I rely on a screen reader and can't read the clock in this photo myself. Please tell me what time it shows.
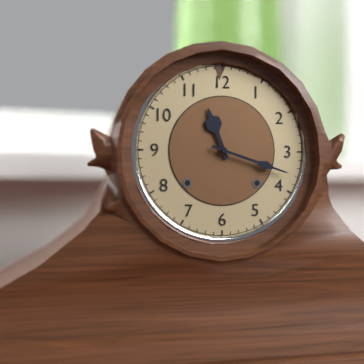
11:18
